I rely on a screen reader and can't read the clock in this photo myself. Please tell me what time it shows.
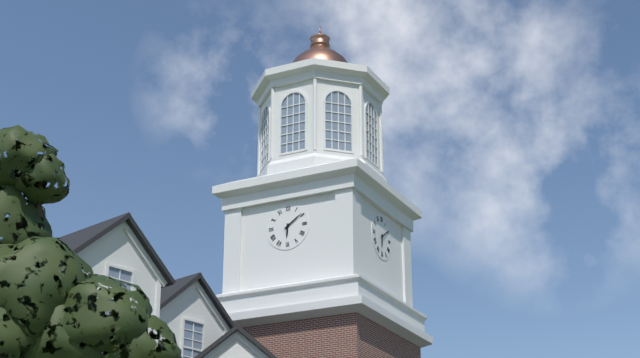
6:09
